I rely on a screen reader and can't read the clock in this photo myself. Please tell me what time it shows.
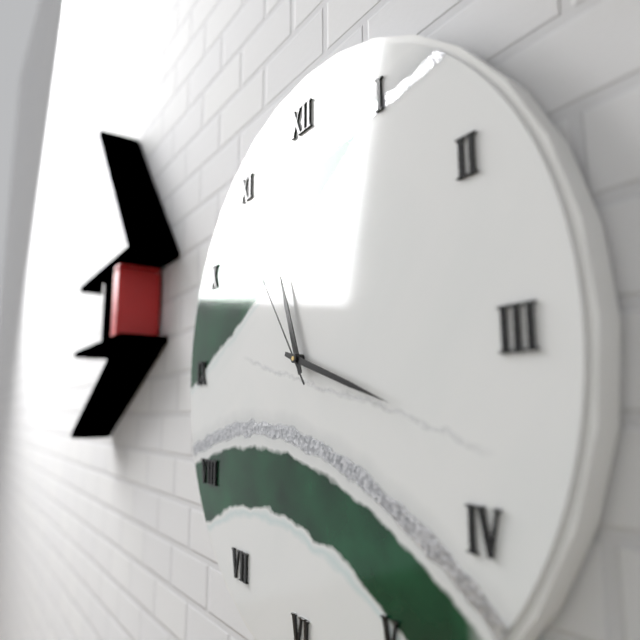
11:18:54
